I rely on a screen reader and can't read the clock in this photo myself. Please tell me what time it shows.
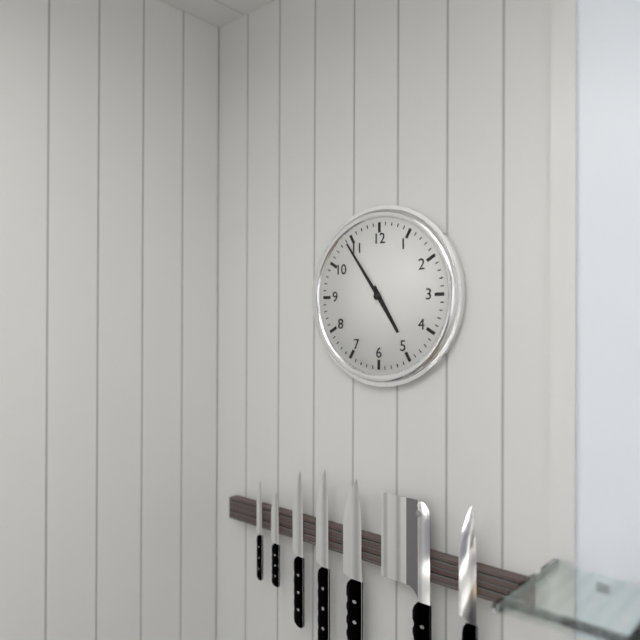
4:54
